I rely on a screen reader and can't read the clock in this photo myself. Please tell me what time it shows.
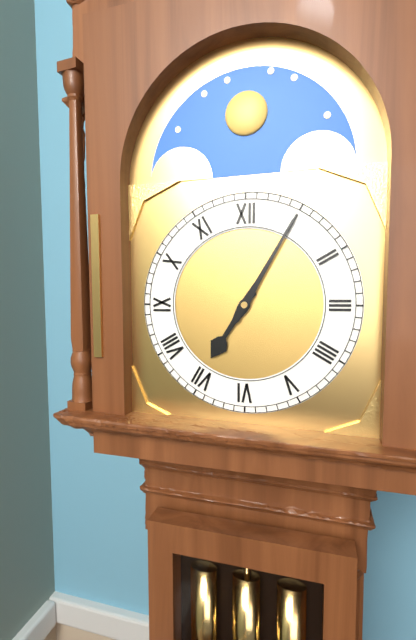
7:05
